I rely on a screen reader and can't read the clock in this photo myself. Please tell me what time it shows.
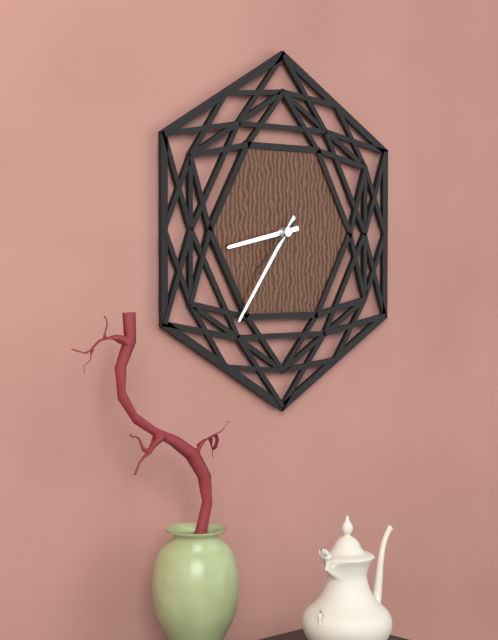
8:36:38
